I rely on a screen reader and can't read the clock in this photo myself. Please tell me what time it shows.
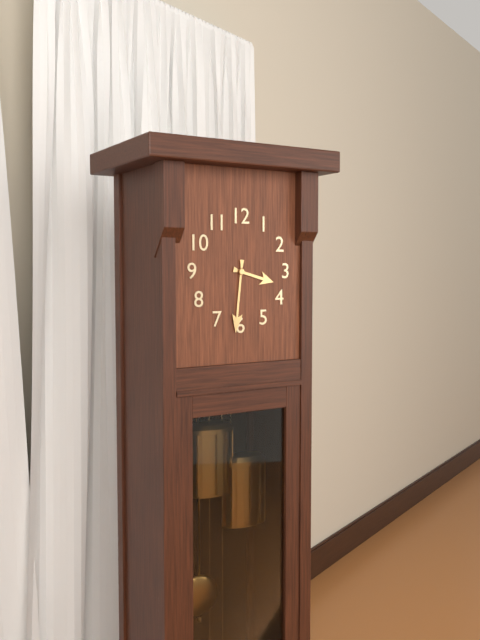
3:31
